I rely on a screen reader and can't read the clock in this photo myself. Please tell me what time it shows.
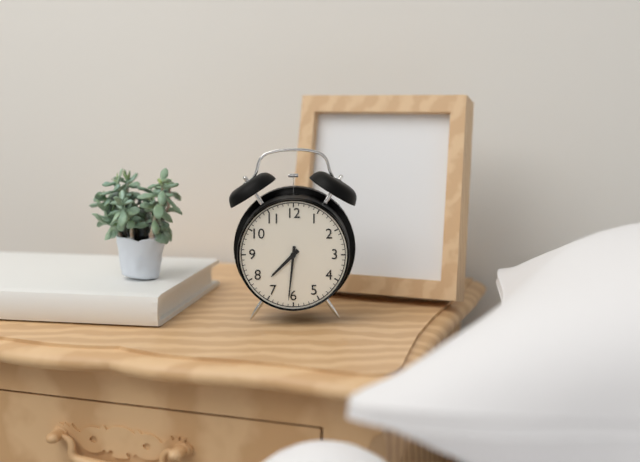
7:31
